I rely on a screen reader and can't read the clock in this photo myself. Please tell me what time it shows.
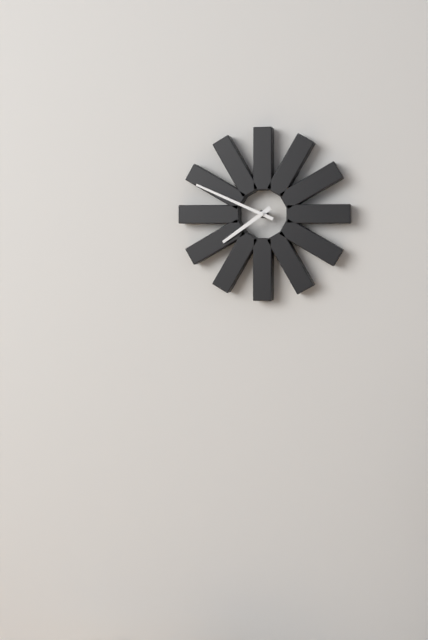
7:49
